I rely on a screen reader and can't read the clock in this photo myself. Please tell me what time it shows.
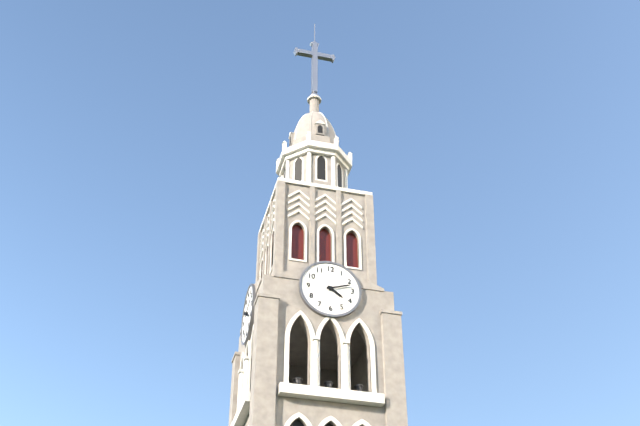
4:12
